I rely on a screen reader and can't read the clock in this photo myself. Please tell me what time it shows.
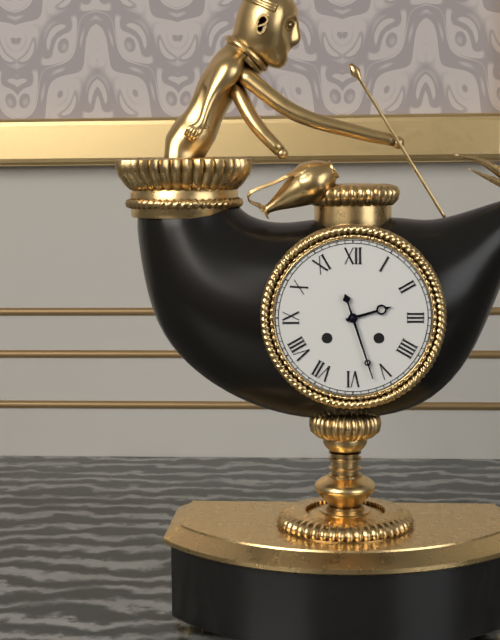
2:27
